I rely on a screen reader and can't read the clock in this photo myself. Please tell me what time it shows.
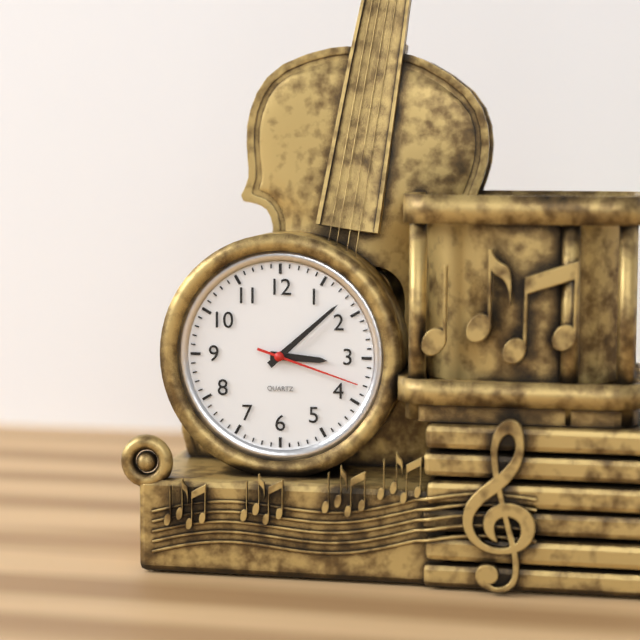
3:08:18
